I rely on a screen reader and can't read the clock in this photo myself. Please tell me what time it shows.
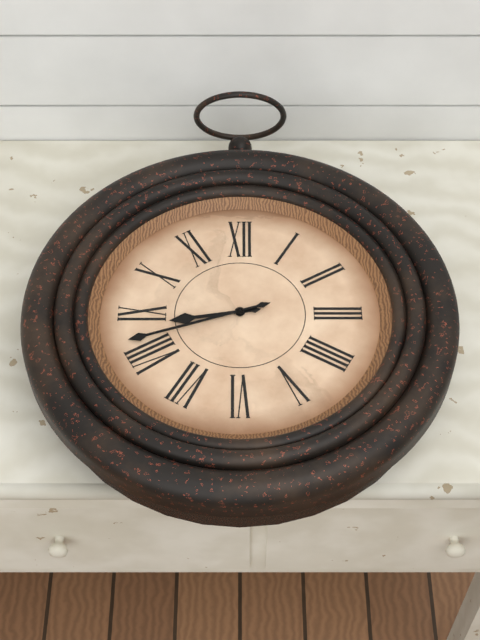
8:42
